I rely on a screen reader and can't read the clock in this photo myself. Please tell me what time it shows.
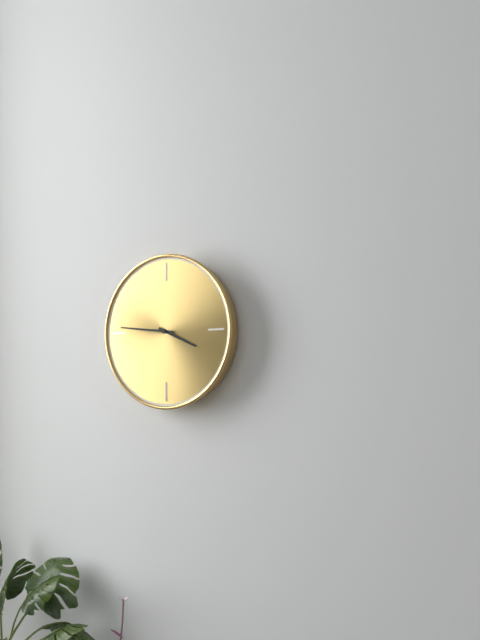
3:46
